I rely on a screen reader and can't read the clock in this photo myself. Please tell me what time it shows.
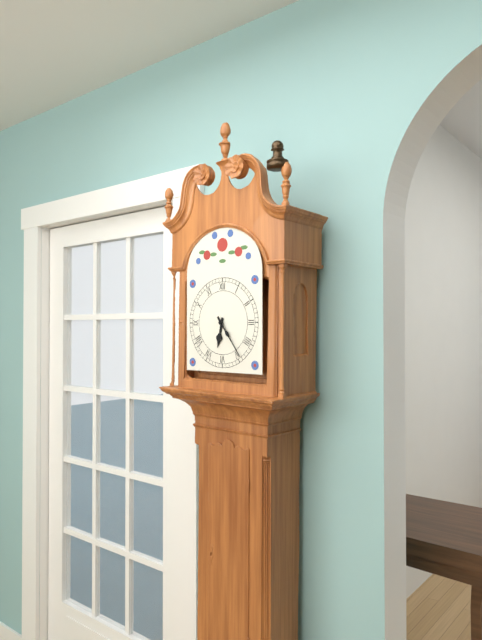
6:24
